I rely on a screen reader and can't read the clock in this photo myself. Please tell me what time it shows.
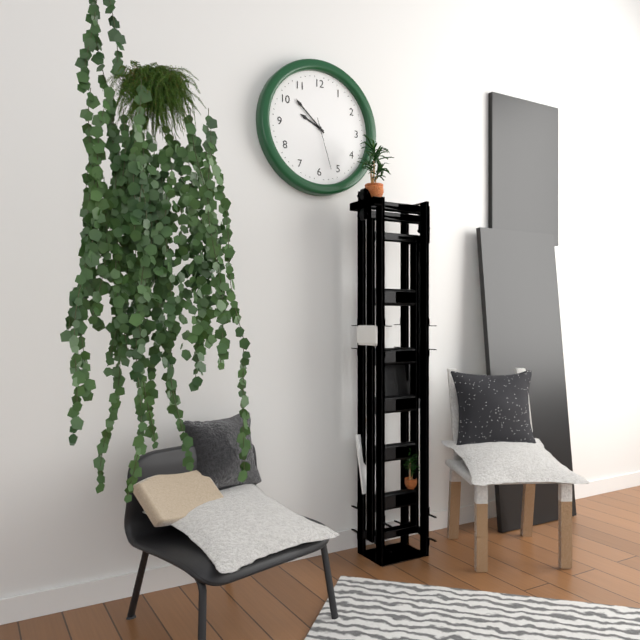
9:52:27
